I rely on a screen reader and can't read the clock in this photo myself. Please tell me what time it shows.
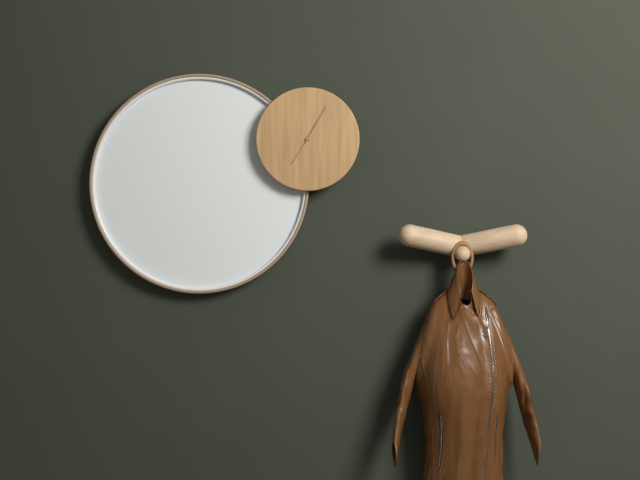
7:05
